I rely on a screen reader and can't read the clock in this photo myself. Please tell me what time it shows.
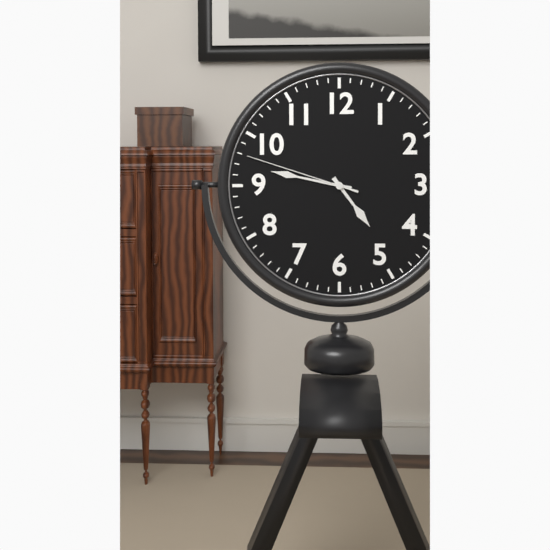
4:47:48
